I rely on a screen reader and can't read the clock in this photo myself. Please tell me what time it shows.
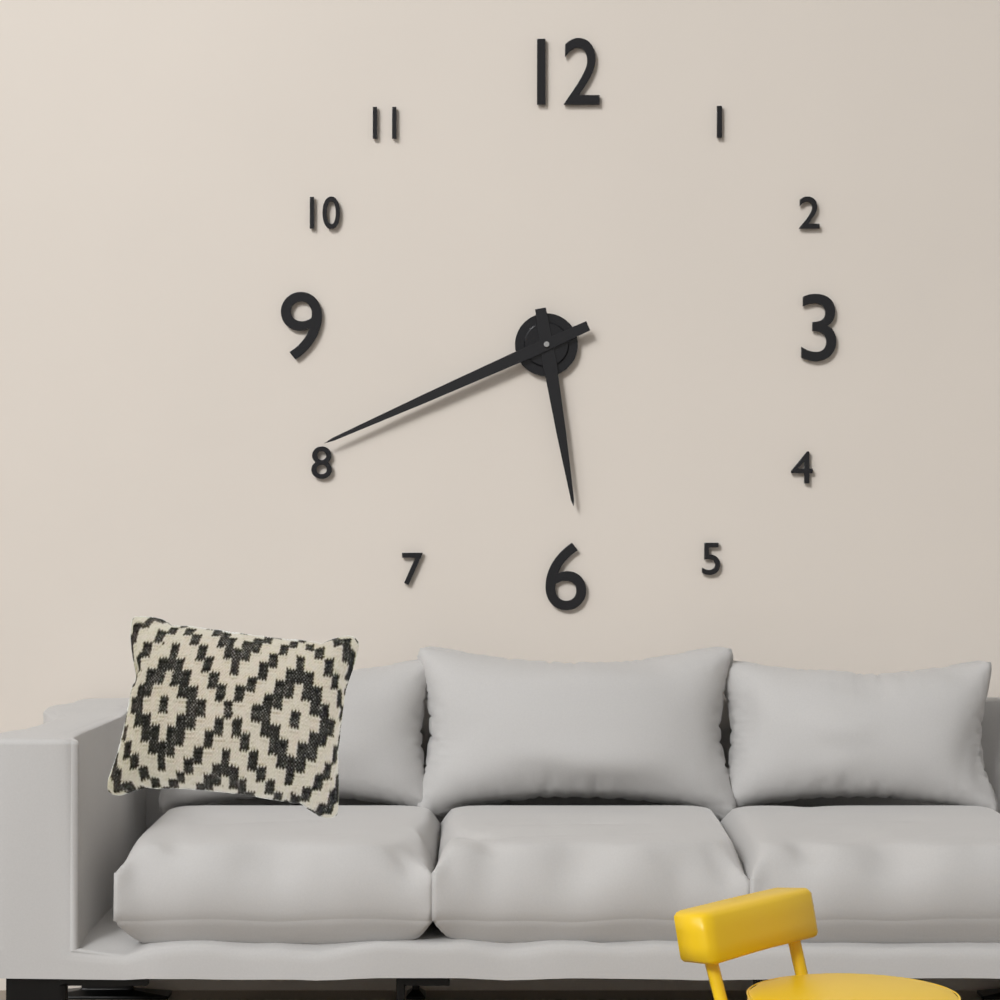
5:41
